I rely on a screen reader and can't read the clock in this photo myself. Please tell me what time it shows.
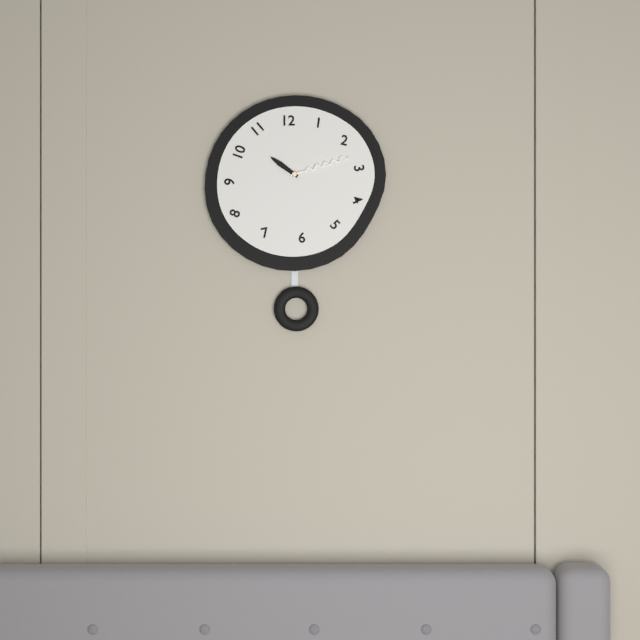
10:12
